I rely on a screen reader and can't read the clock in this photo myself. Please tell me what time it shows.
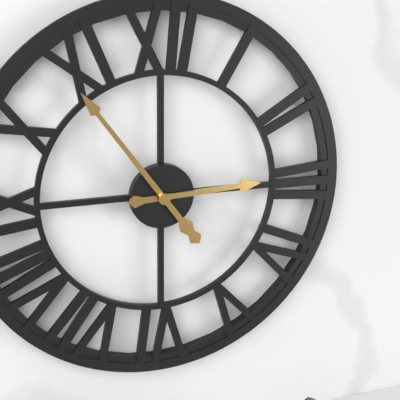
2:54
